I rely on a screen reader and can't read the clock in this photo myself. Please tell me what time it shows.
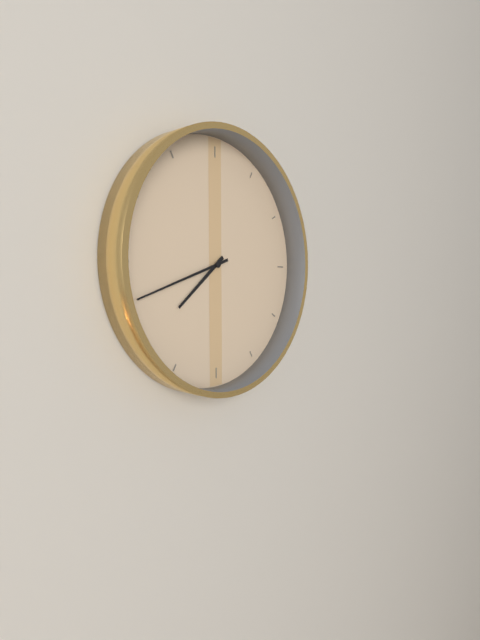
7:42
